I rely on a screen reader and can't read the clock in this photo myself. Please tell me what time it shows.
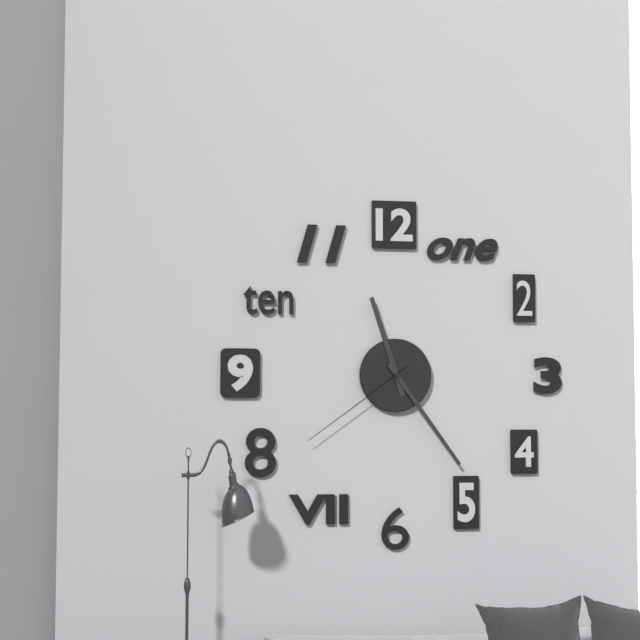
11:24:39
